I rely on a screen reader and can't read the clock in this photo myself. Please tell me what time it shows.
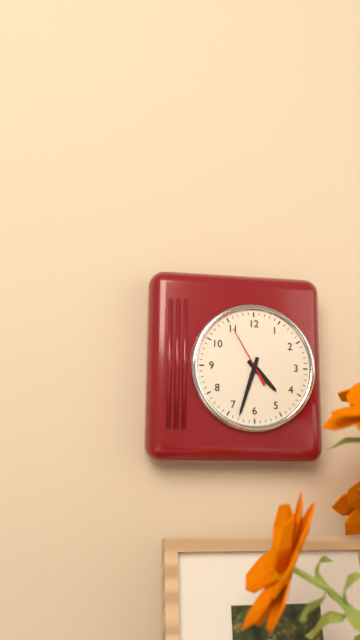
4:33:55
